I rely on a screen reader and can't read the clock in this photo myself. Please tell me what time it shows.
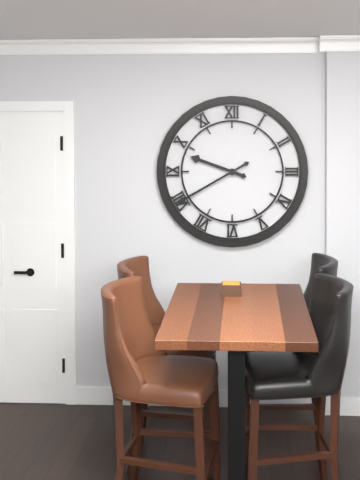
9:40
